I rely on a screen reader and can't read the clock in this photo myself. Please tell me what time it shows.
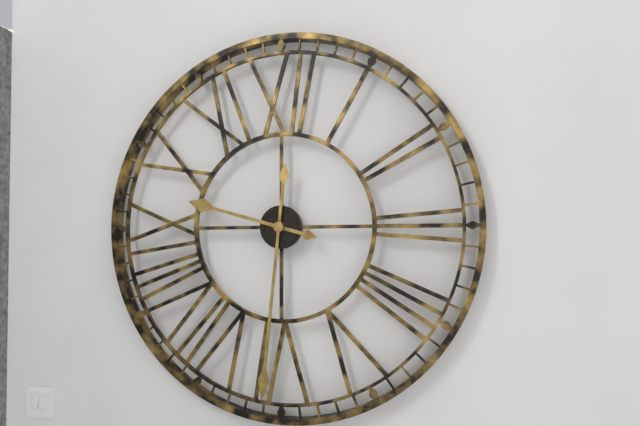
9:31
